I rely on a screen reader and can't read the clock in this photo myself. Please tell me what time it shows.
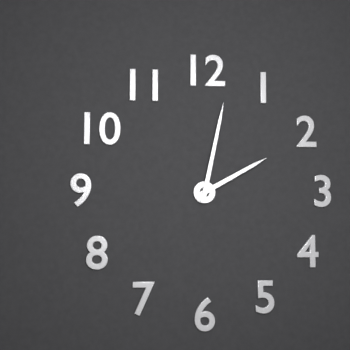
2:02
